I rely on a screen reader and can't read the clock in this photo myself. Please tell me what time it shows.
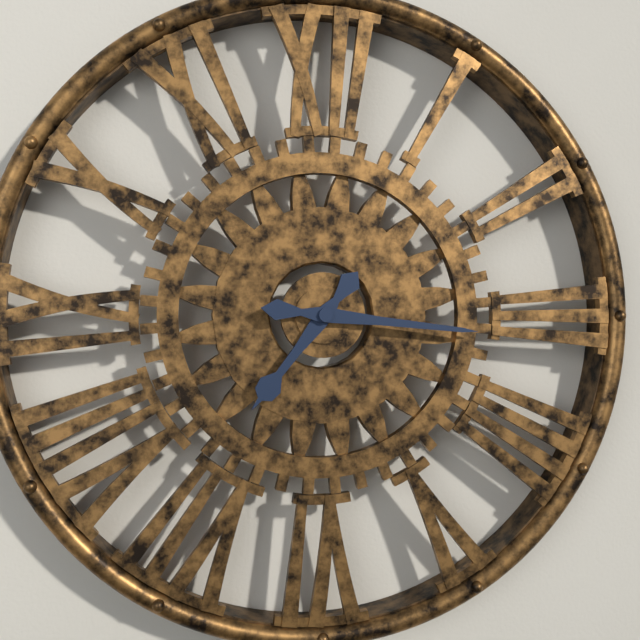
7:16
